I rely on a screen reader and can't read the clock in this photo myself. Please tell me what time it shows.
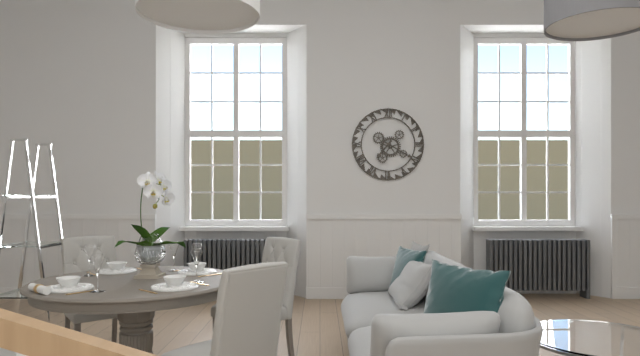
7:20
